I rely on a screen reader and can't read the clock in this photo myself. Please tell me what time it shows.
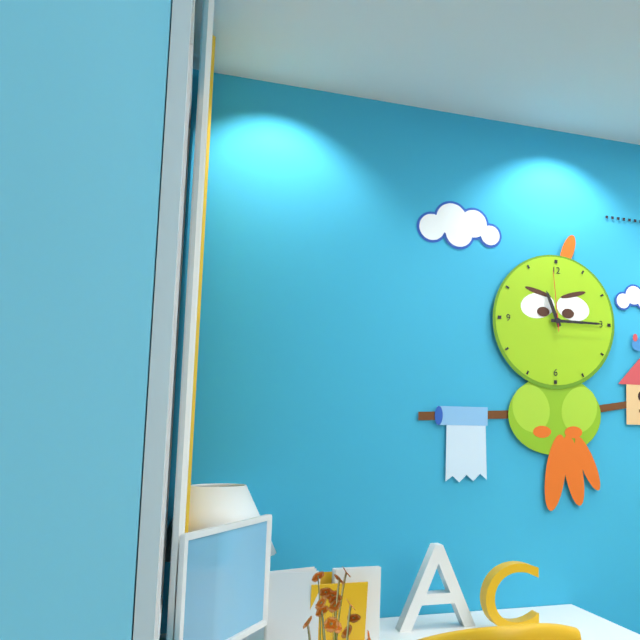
11:15:59
